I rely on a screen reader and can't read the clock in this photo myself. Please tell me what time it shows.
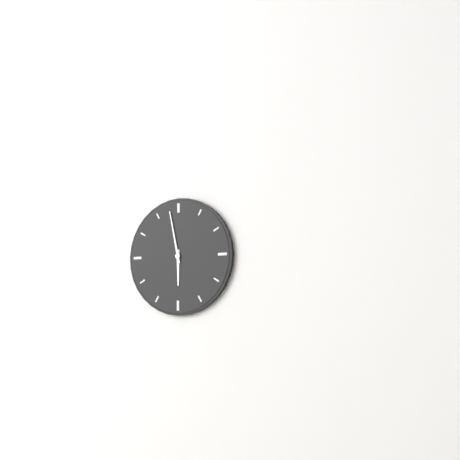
5:58
